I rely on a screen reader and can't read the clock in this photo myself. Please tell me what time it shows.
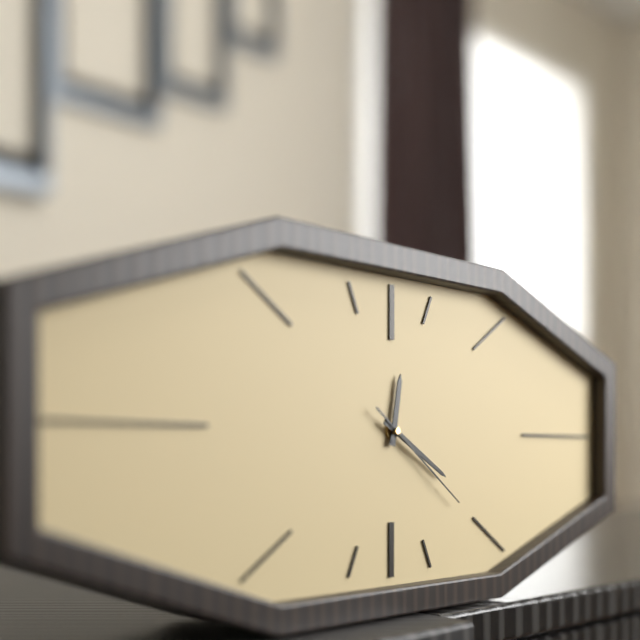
12:20:21
